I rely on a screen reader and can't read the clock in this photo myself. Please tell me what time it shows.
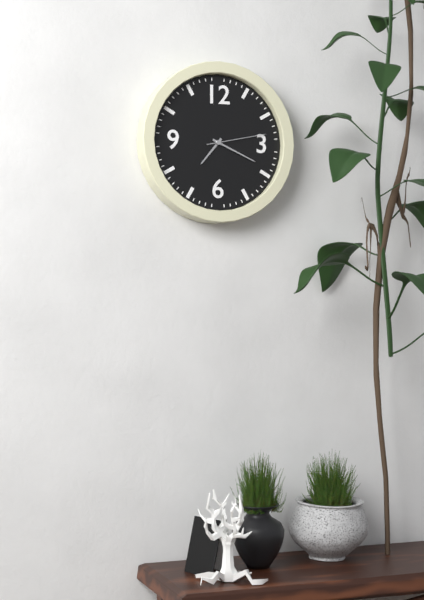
7:19:13
